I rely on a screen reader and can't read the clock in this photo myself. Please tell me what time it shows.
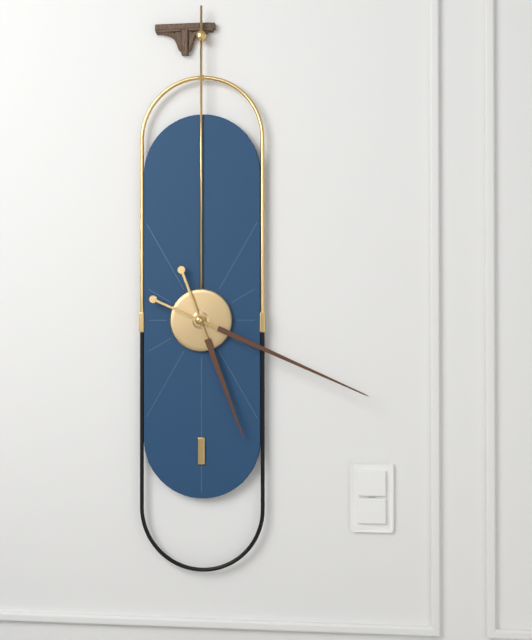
5:19
